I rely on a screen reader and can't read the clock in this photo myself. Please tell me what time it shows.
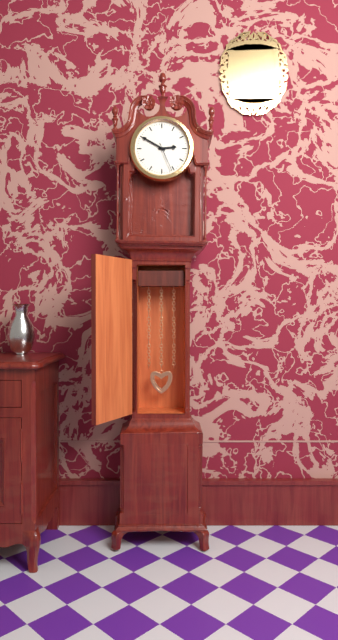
2:50
